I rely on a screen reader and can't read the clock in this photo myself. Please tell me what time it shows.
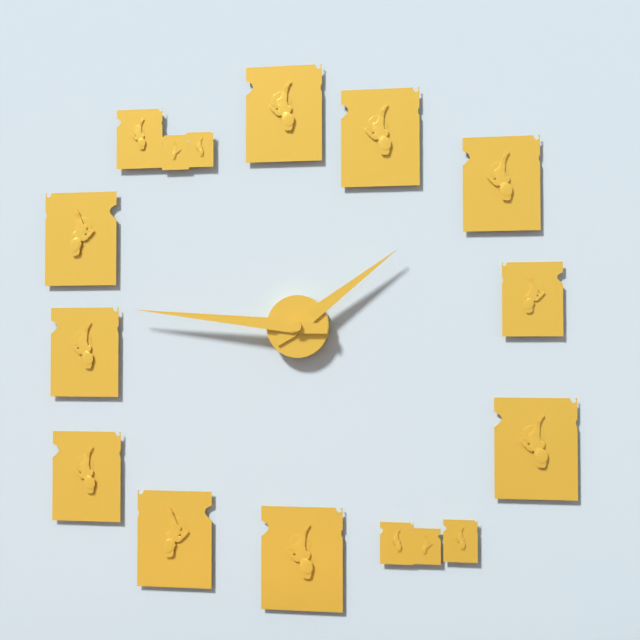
1:46
